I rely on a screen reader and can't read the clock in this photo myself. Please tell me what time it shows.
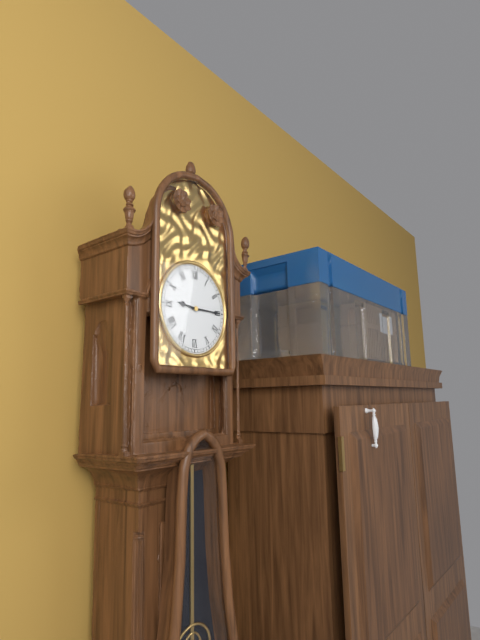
9:15
